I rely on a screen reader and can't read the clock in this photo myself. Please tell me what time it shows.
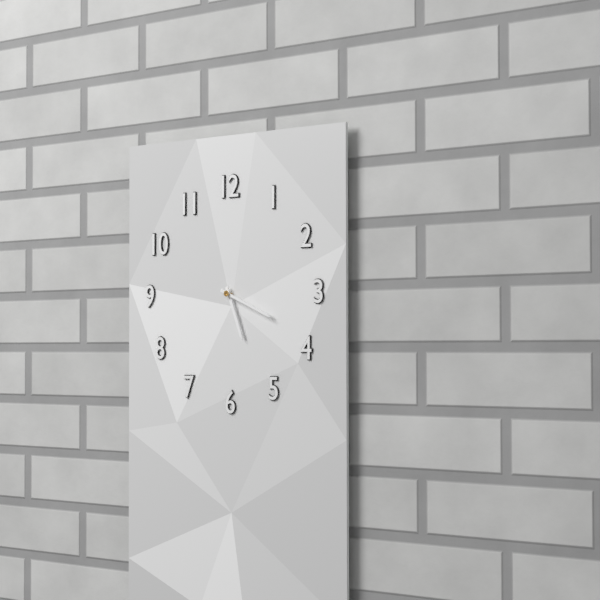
5:19
